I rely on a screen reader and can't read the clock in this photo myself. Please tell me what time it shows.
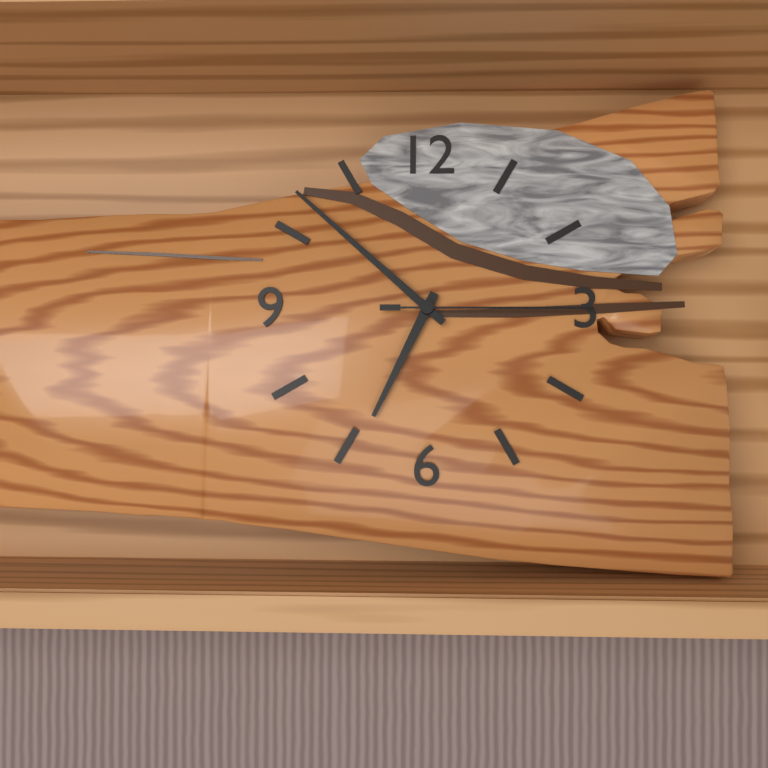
6:52:15
